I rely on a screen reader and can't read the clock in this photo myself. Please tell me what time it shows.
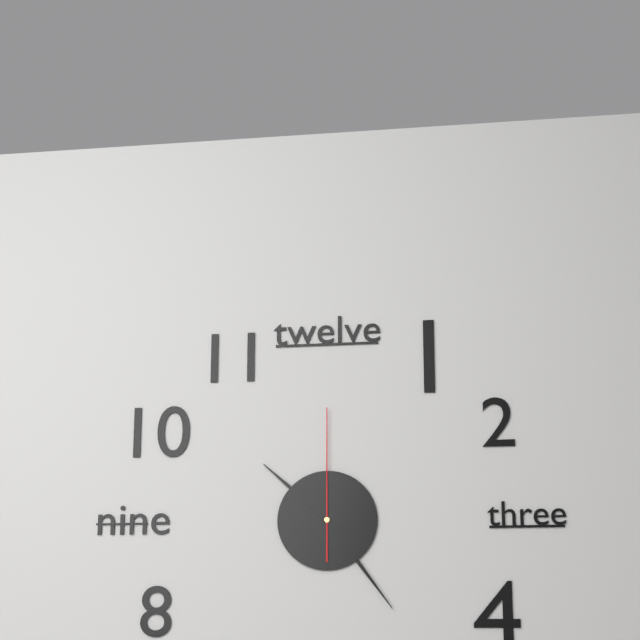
10:24:00
